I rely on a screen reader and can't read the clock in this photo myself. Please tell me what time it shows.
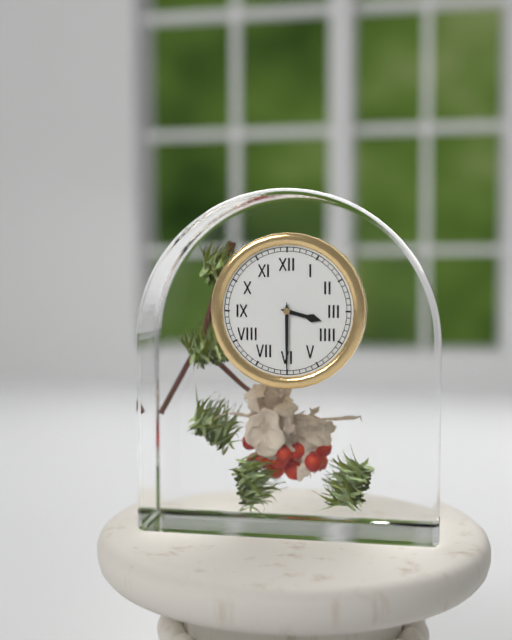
3:30
